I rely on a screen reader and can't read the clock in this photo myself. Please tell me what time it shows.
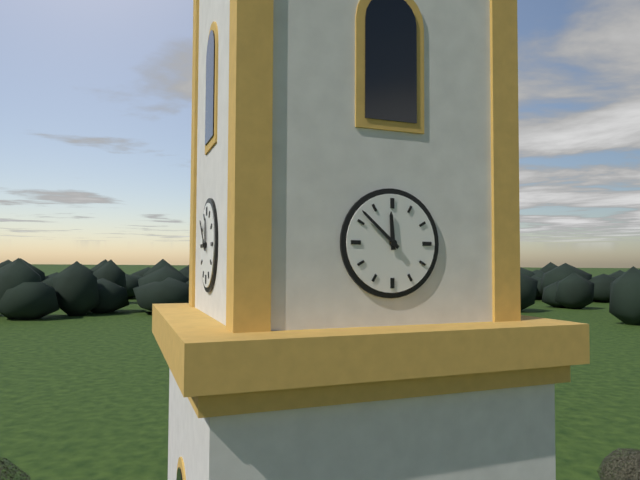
11:52
